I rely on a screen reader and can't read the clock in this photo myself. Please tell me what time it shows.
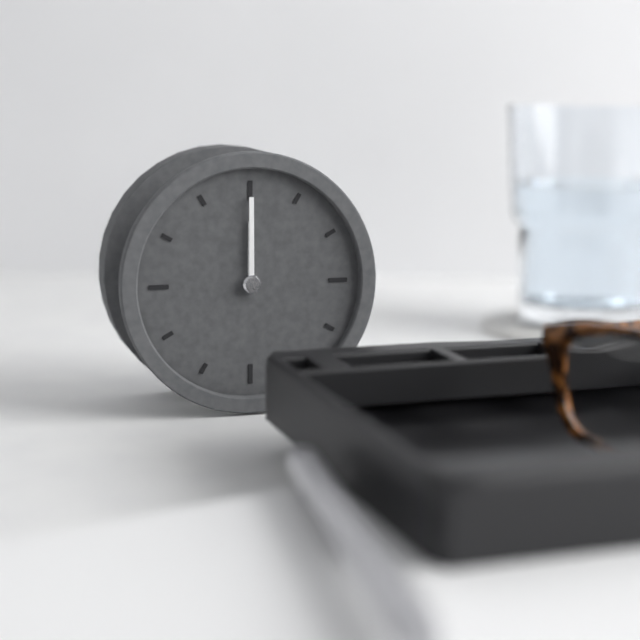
12:00
